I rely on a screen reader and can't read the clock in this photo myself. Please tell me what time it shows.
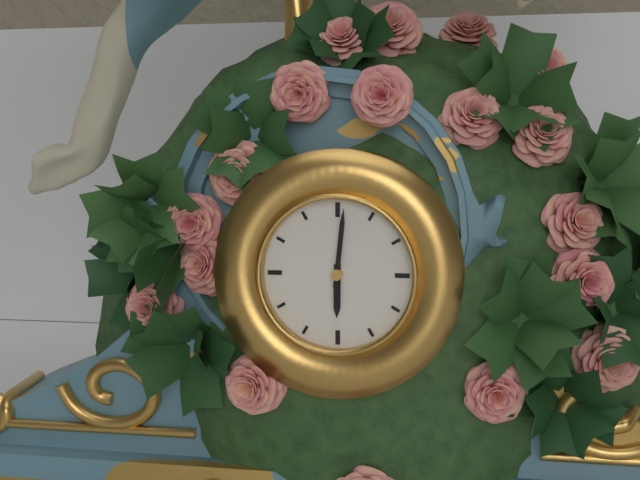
6:01
